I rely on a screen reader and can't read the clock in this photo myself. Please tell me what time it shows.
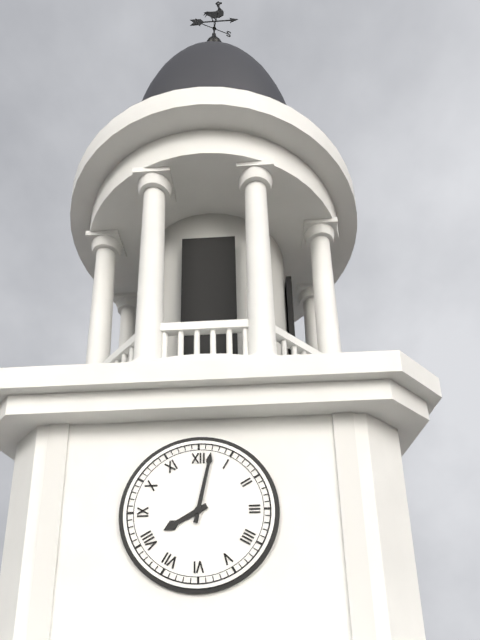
8:02
